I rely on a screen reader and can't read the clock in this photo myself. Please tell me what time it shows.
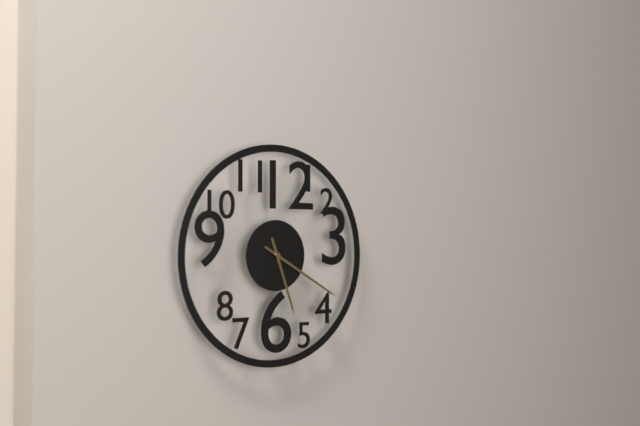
5:20
